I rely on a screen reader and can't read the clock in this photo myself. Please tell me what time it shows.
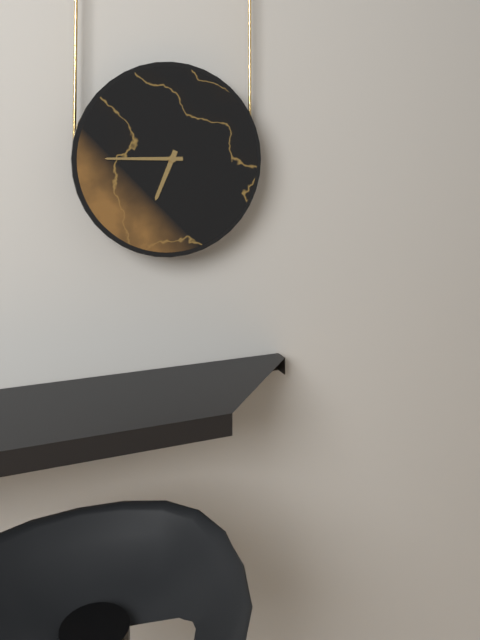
6:45
